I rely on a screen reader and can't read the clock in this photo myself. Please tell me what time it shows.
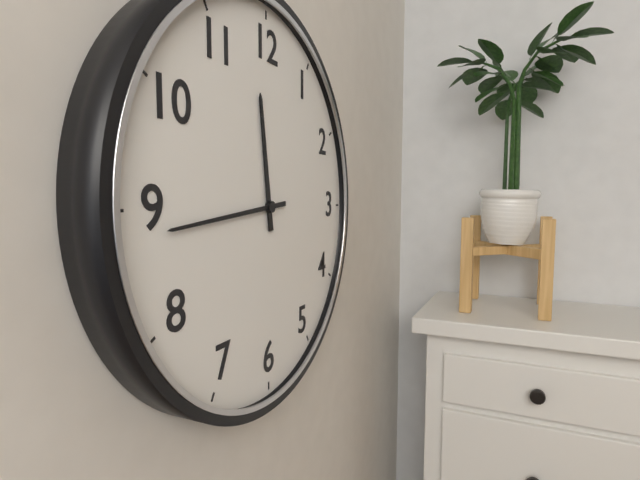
11:44
